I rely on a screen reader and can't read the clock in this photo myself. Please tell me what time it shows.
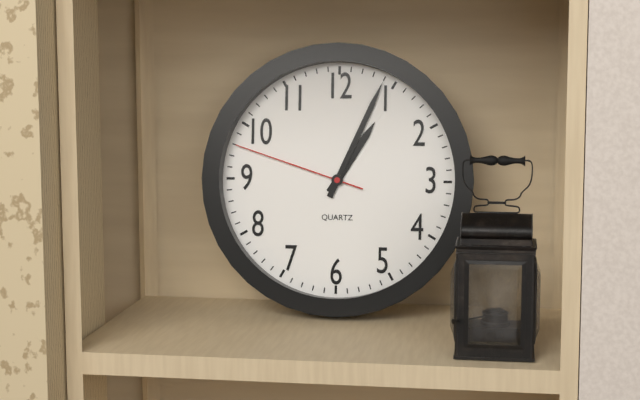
1:04:48
